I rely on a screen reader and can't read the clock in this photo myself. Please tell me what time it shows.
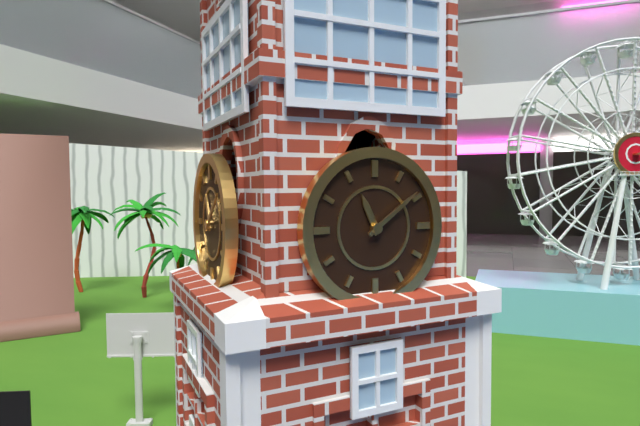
11:09
